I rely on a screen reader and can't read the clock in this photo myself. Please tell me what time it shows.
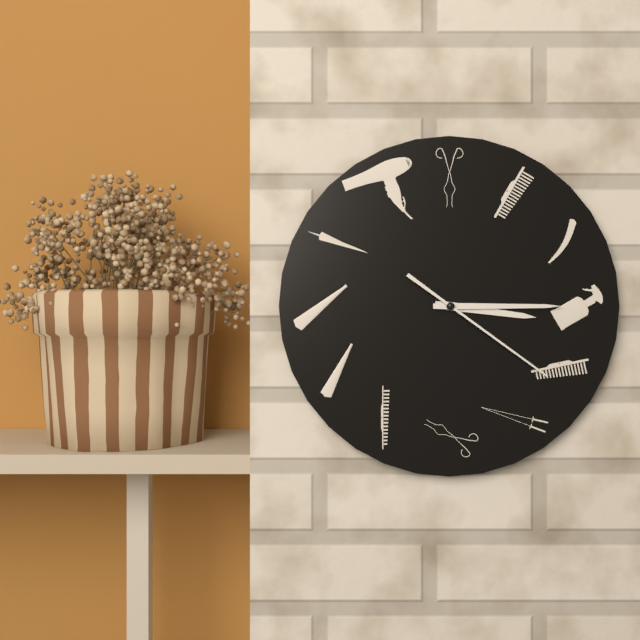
3:15:21
